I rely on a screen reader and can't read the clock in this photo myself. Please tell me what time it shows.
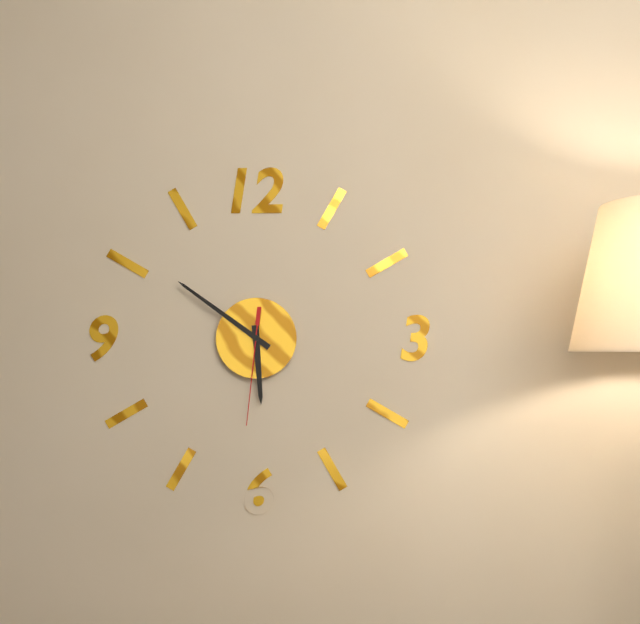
5:51:31
